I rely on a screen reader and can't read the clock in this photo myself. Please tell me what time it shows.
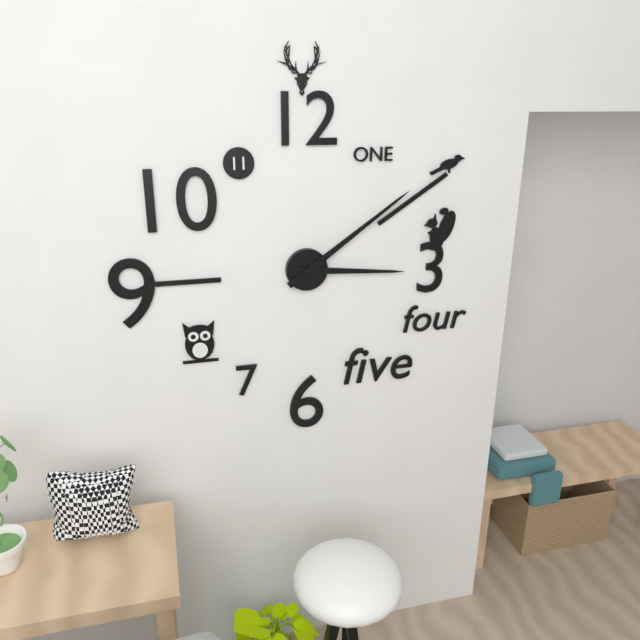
3:09
